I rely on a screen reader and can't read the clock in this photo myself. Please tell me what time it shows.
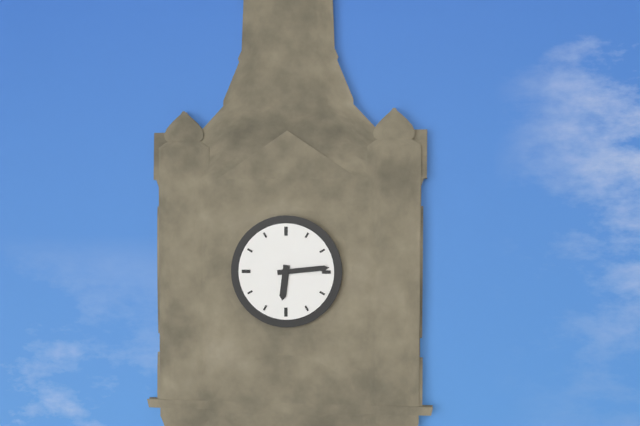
6:14
